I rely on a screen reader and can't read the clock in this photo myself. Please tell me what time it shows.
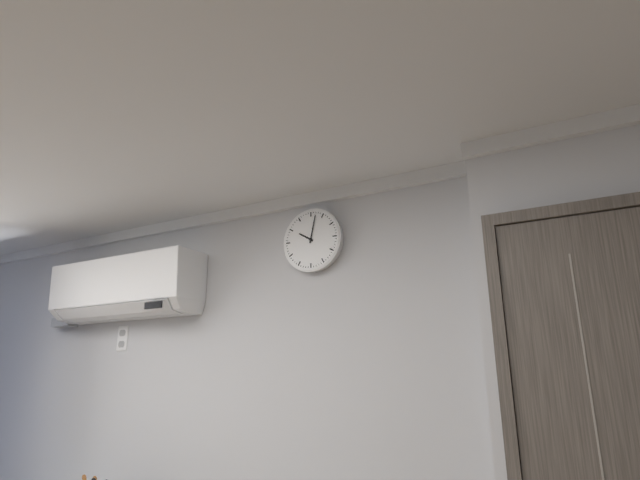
10:02
